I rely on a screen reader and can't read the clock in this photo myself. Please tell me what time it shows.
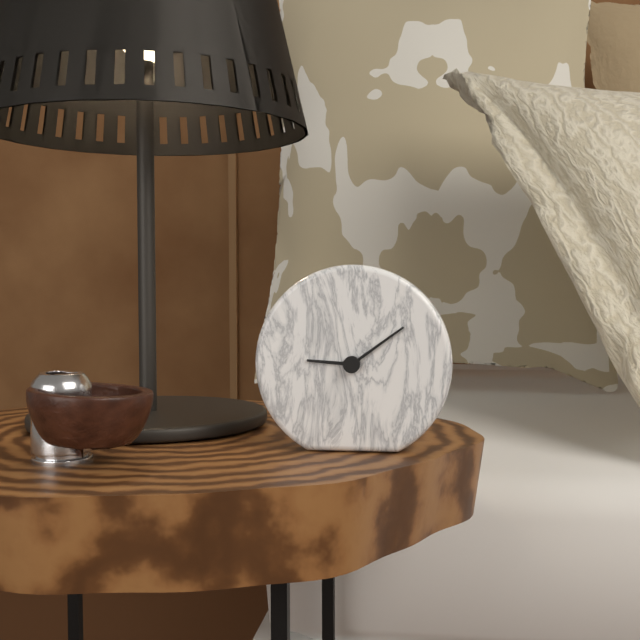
9:09
